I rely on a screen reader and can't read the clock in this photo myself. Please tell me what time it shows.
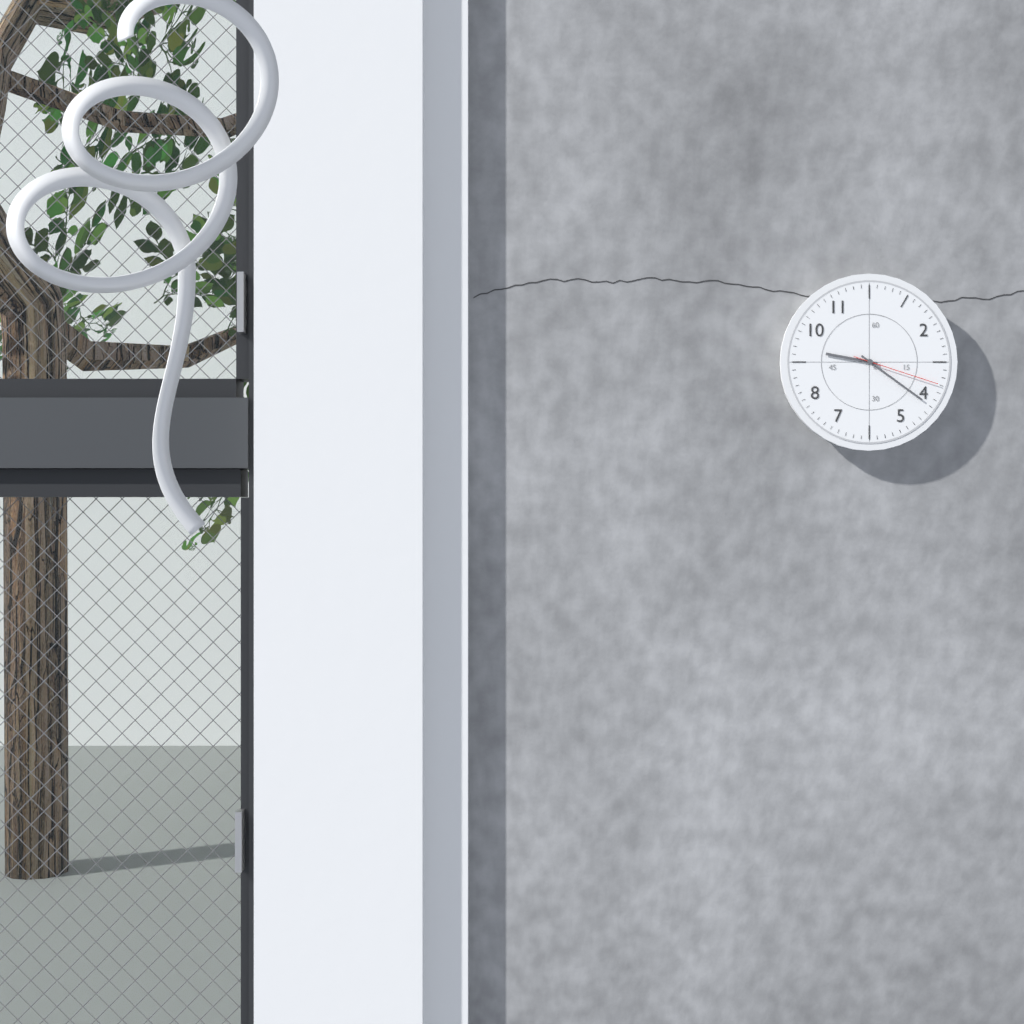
9:21:18
